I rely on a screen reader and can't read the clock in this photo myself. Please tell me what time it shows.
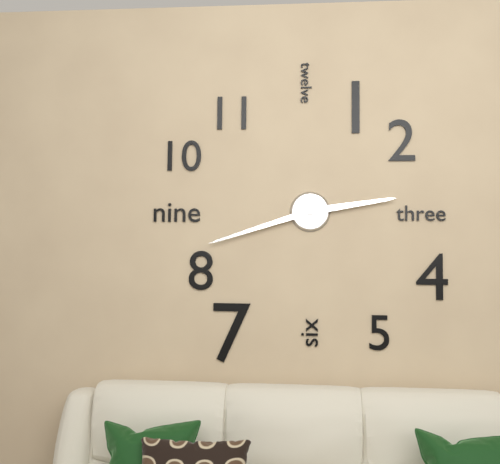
2:42
